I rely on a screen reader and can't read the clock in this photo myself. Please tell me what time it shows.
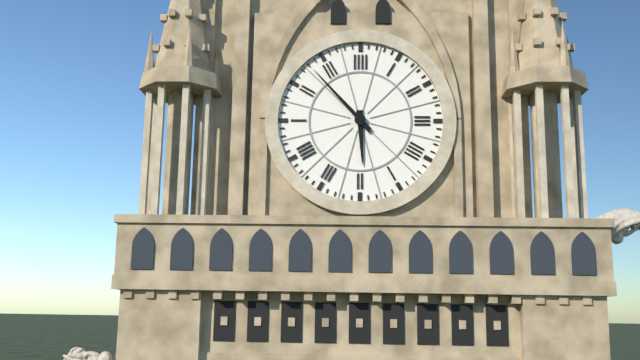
5:53
